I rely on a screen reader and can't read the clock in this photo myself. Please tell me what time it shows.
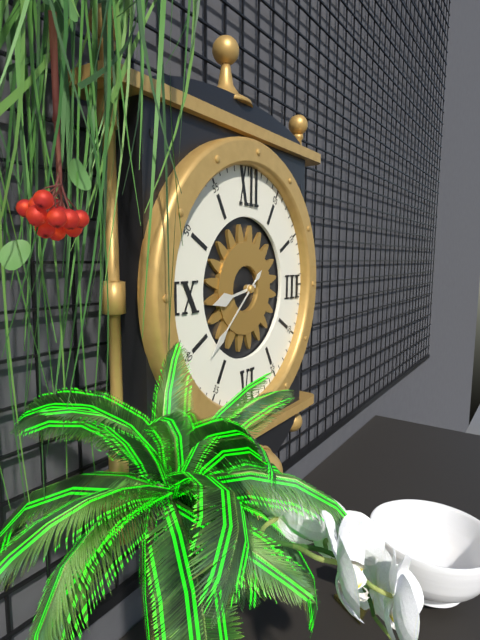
8:38
